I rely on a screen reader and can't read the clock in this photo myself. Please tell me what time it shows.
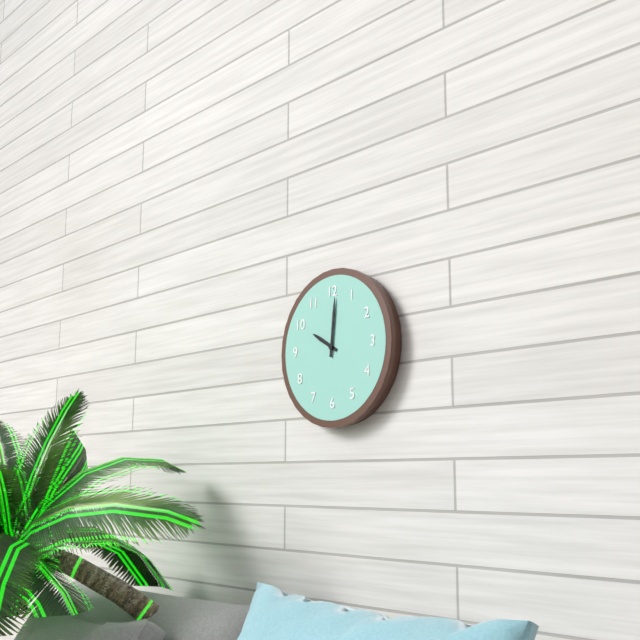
10:01
